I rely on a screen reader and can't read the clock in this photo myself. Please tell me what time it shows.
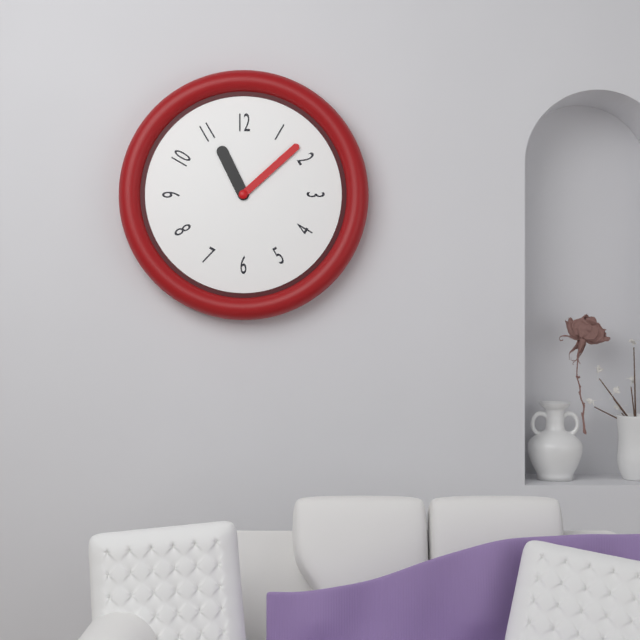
11:08
